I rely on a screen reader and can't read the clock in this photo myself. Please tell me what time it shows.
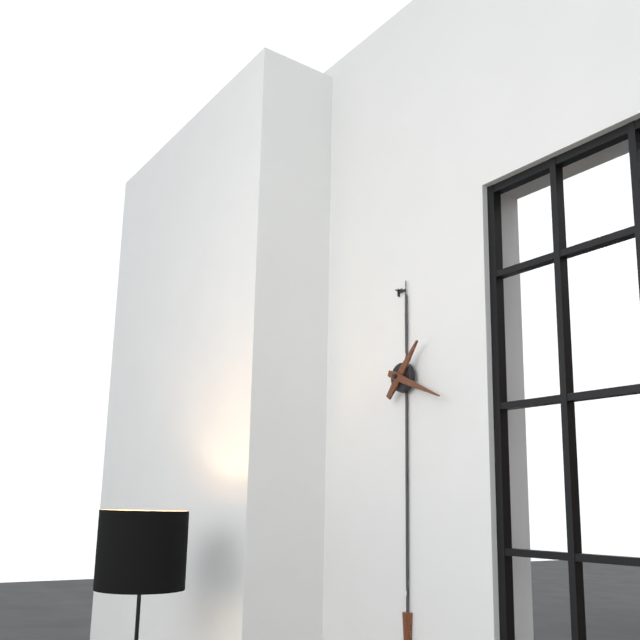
1:19
